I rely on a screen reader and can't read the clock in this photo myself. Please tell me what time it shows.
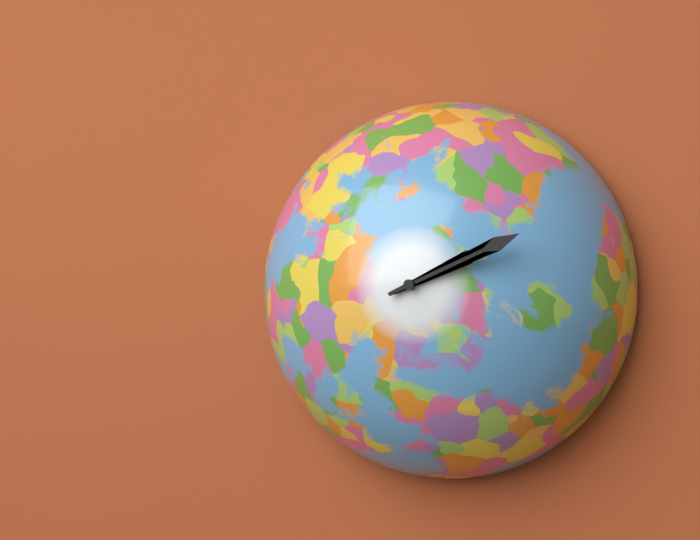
2:11
